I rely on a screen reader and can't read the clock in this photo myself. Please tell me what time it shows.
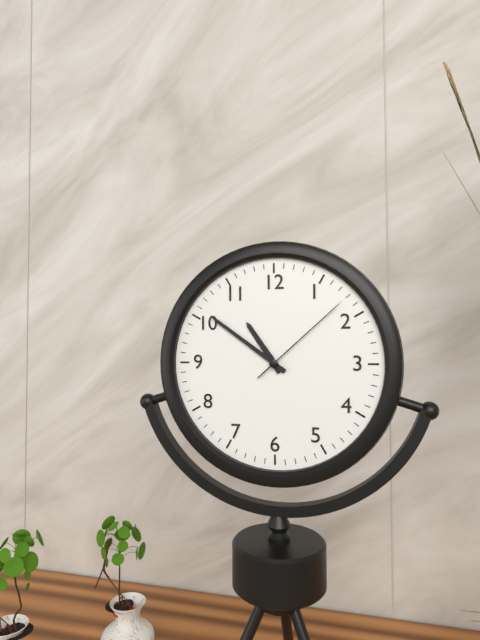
10:51:08
